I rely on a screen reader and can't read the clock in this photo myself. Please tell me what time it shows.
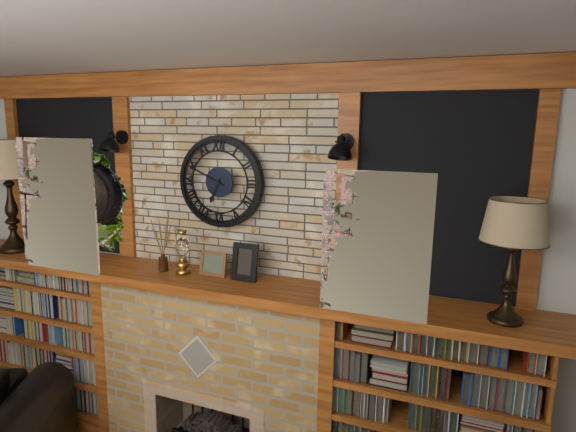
6:49
